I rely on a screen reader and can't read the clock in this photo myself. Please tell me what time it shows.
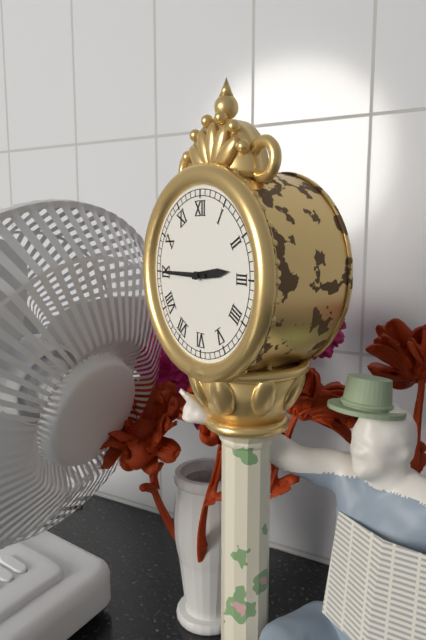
2:45
